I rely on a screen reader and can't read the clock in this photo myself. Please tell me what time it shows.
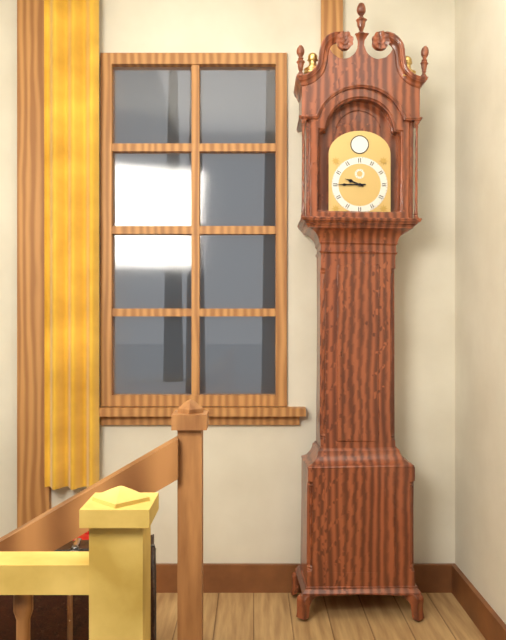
9:45
